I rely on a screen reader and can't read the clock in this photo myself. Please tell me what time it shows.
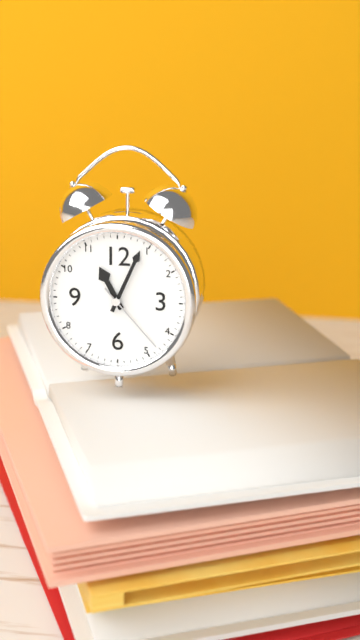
11:04:23
